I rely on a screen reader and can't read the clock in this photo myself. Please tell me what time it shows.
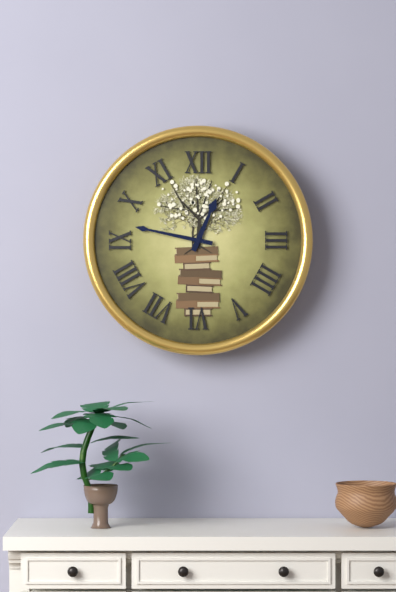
12:47
